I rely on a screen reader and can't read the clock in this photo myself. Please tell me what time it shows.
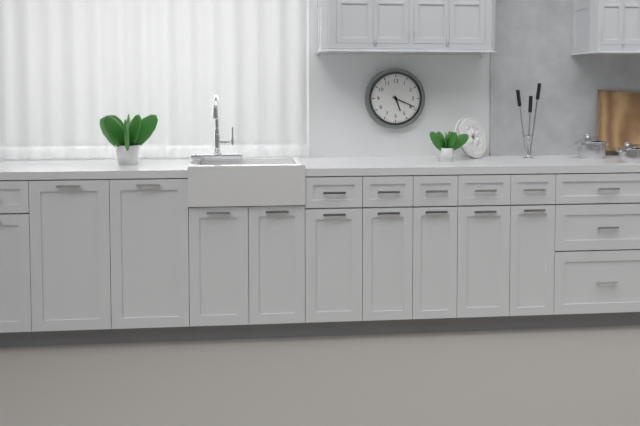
5:19
